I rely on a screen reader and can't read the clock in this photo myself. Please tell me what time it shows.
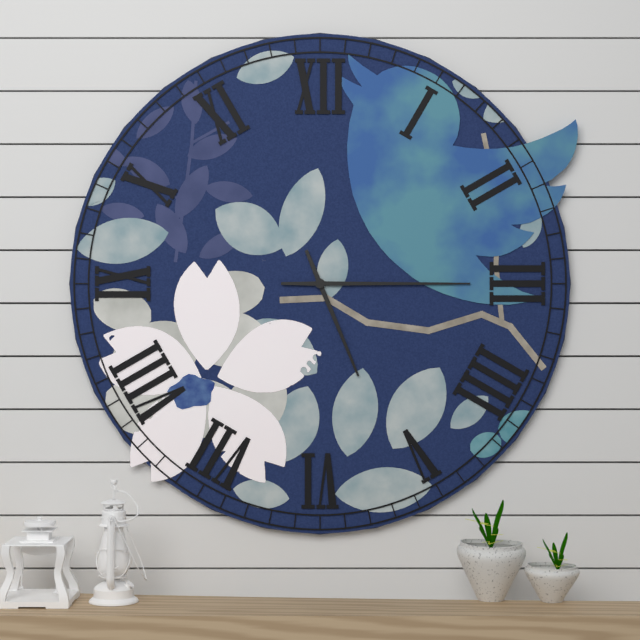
5:15
